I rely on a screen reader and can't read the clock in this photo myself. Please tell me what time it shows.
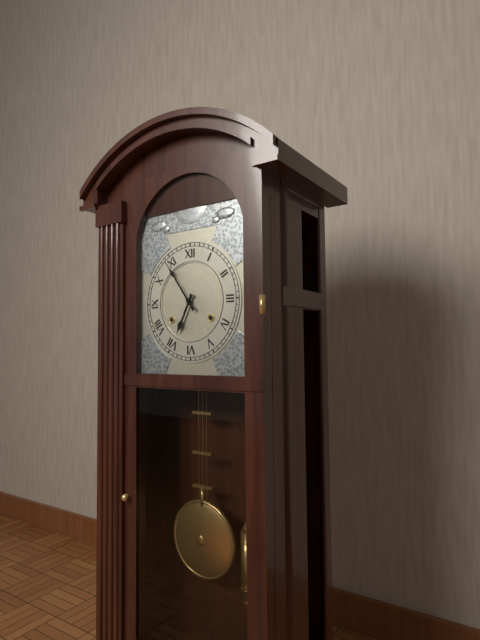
6:54
